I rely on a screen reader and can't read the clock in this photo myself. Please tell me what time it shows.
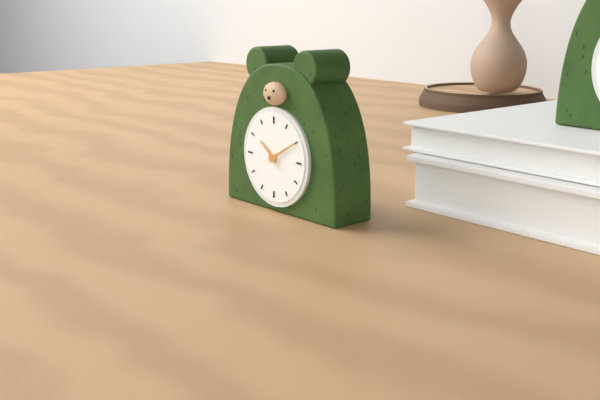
10:10
